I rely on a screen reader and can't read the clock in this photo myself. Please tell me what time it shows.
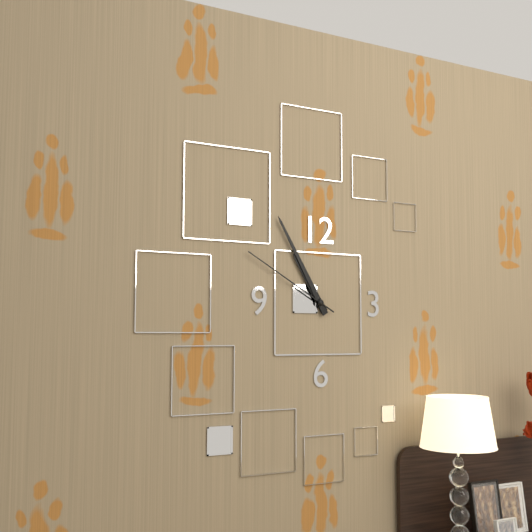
10:55:50
